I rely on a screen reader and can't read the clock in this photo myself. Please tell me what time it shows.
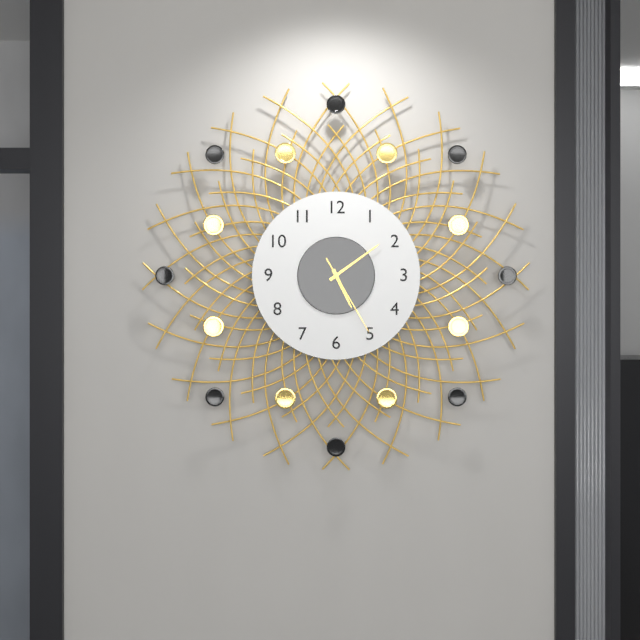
5:09:25
